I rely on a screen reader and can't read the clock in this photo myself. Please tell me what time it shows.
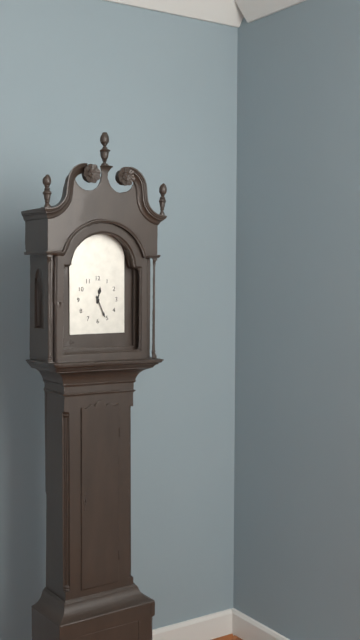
12:26
